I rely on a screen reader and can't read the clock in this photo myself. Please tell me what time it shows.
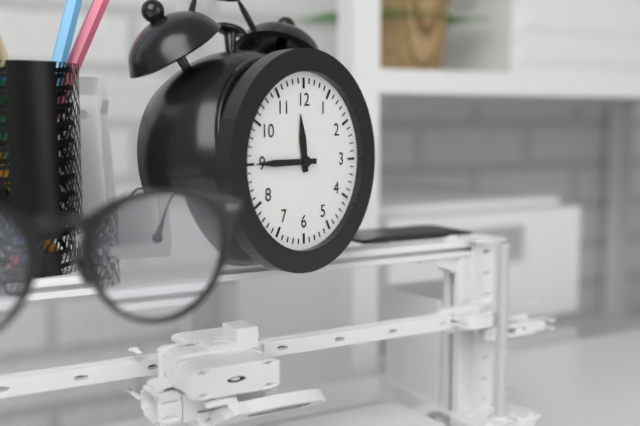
11:45
